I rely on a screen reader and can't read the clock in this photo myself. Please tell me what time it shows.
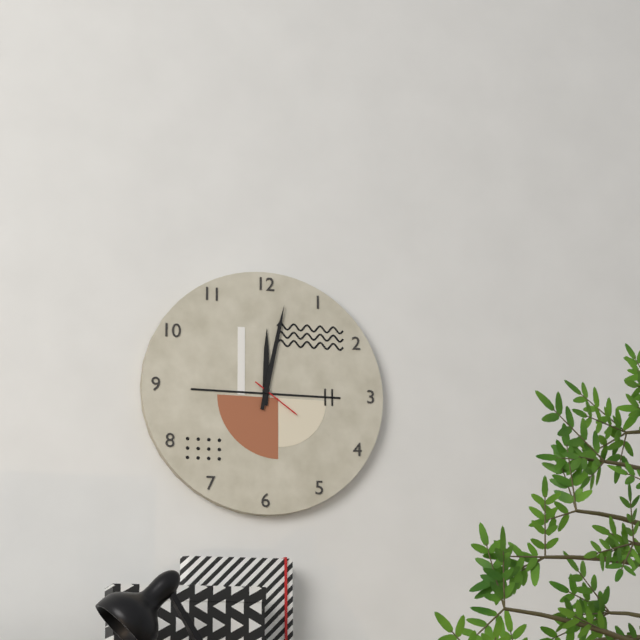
12:02:21
